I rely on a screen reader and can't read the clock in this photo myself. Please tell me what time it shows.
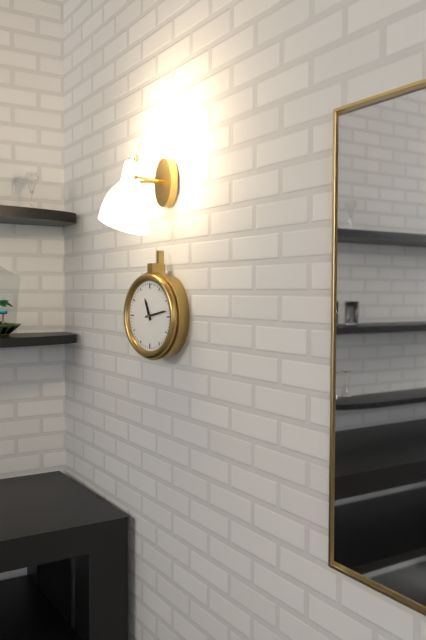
11:13
